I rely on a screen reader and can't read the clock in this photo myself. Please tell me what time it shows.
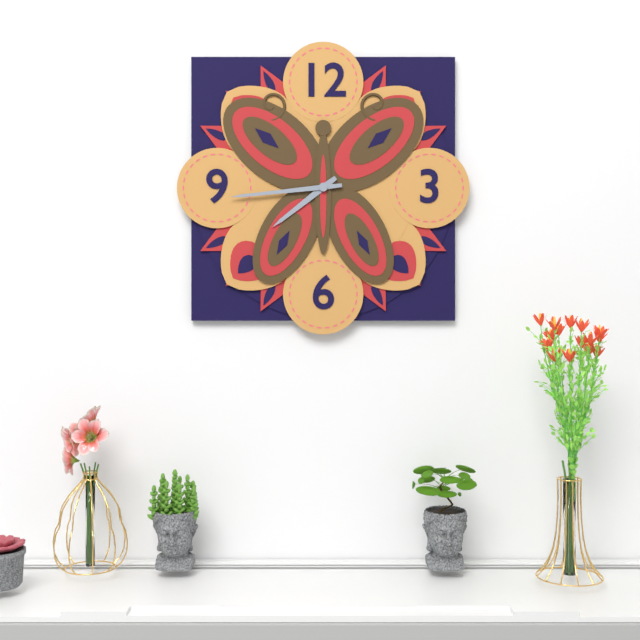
7:44
